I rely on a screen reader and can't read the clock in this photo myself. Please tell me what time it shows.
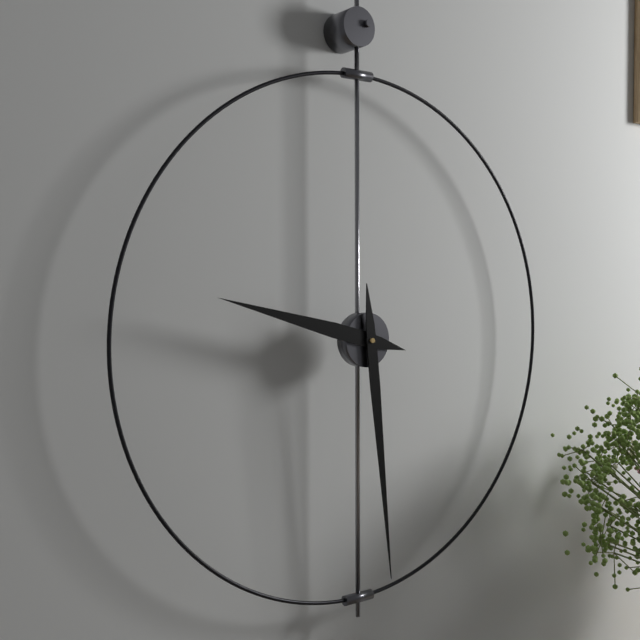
9:29
